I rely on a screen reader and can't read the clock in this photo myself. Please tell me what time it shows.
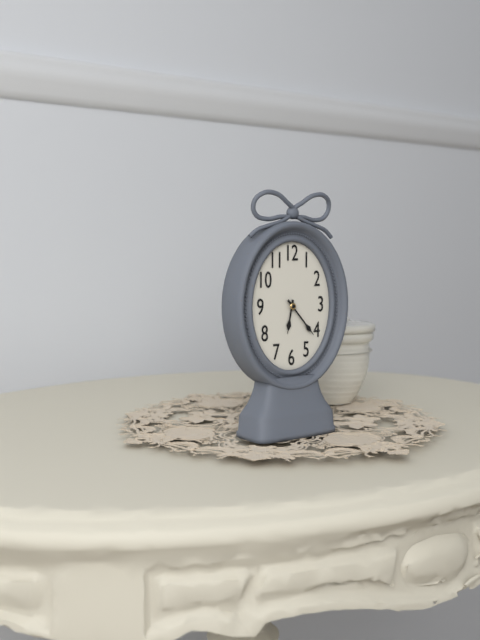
6:23
